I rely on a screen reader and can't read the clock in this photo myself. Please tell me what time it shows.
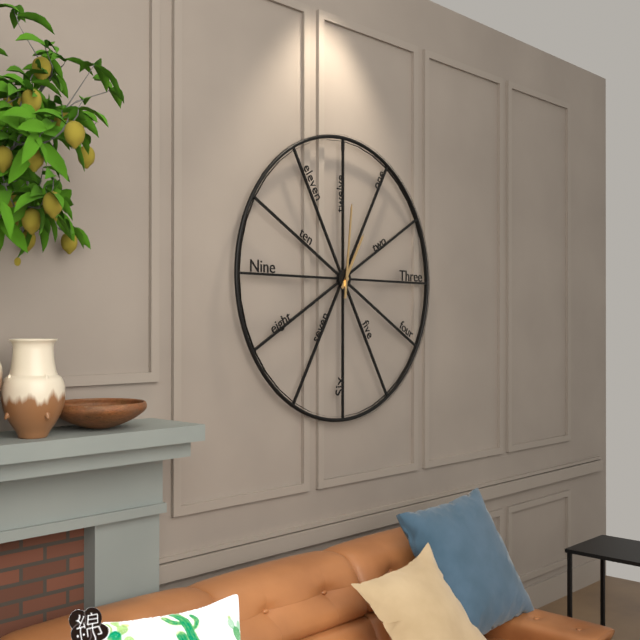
1:01
